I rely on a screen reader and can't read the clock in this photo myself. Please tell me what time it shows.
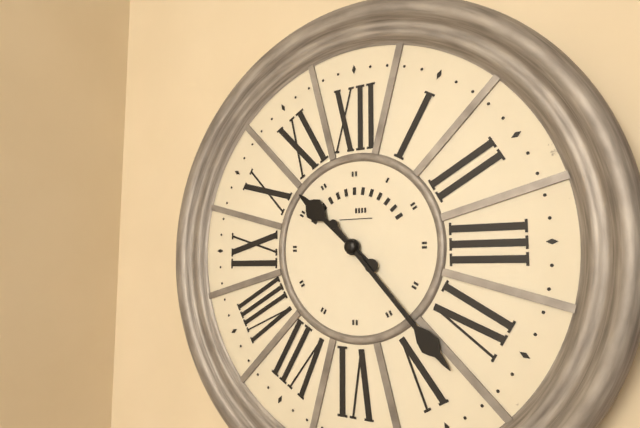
10:23
